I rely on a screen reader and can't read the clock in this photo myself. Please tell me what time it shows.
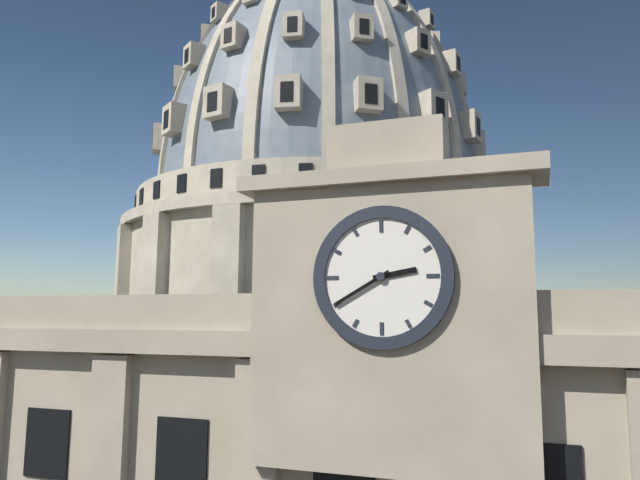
2:40
